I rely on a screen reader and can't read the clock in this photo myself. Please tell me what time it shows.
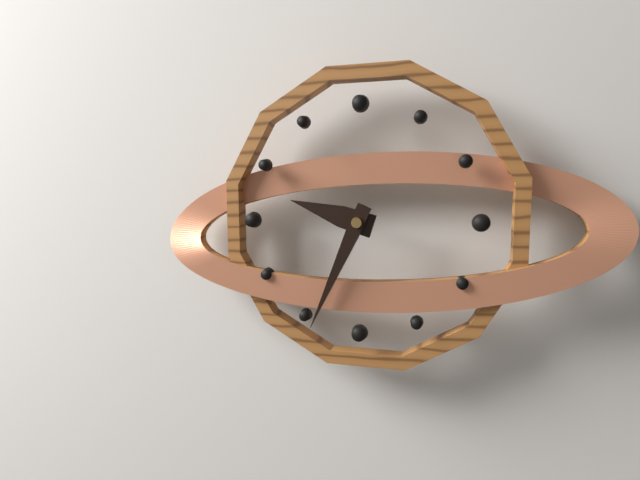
9:34
